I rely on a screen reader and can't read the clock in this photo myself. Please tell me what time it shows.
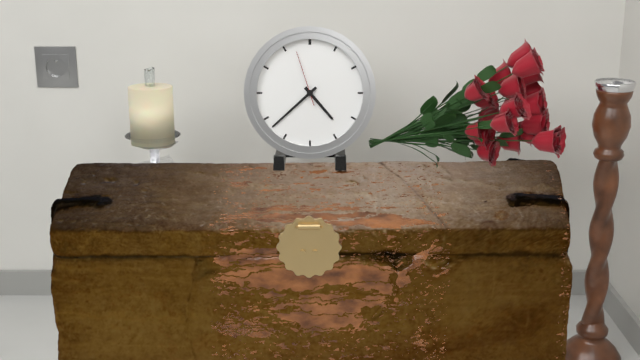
4:38:57
